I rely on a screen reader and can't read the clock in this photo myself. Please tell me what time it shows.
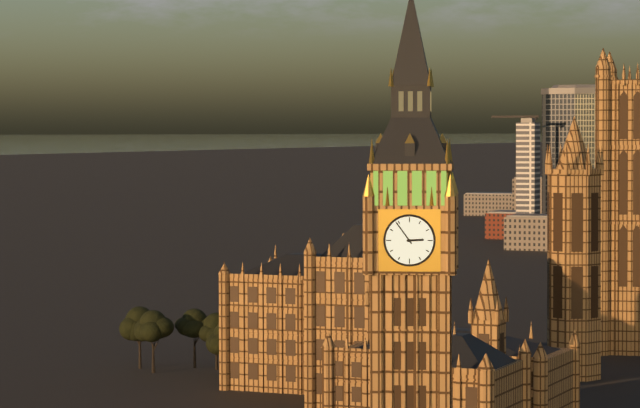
2:54
